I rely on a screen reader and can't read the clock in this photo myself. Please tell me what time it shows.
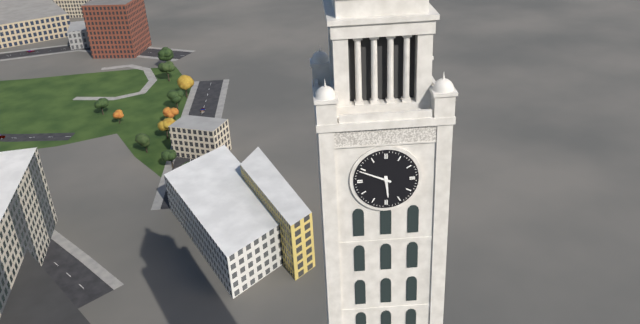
5:49
